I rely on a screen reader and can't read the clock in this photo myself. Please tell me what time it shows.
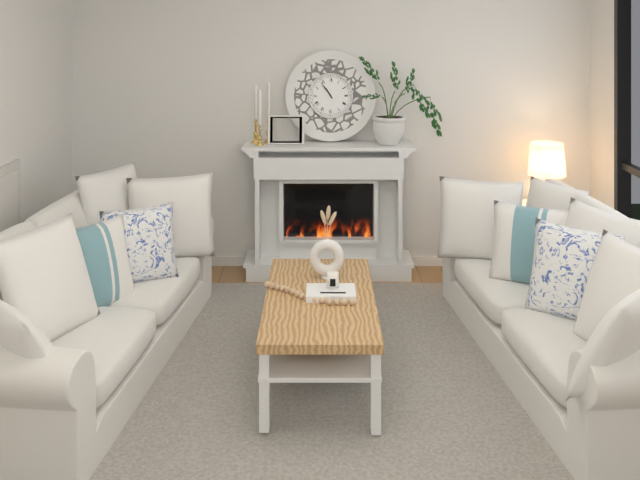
10:54
